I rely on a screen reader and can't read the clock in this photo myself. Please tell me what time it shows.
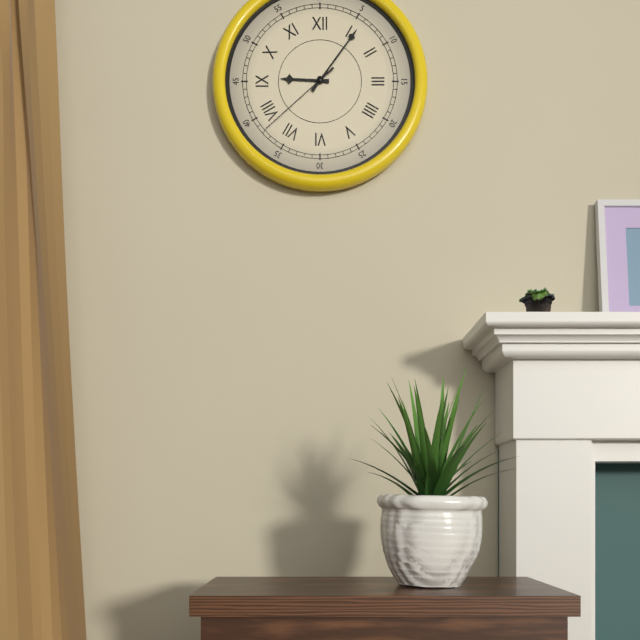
9:06:38
